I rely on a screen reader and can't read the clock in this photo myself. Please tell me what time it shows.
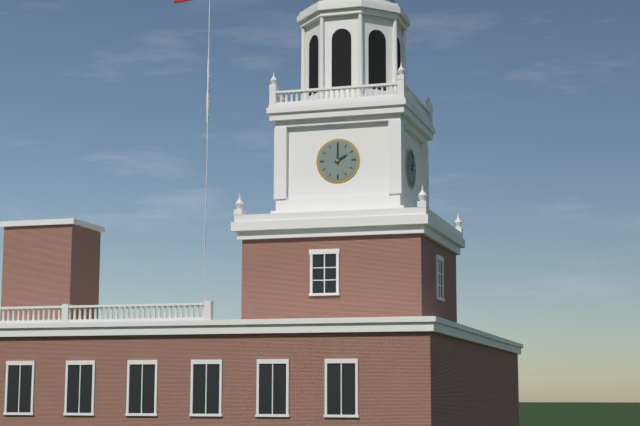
2:00
